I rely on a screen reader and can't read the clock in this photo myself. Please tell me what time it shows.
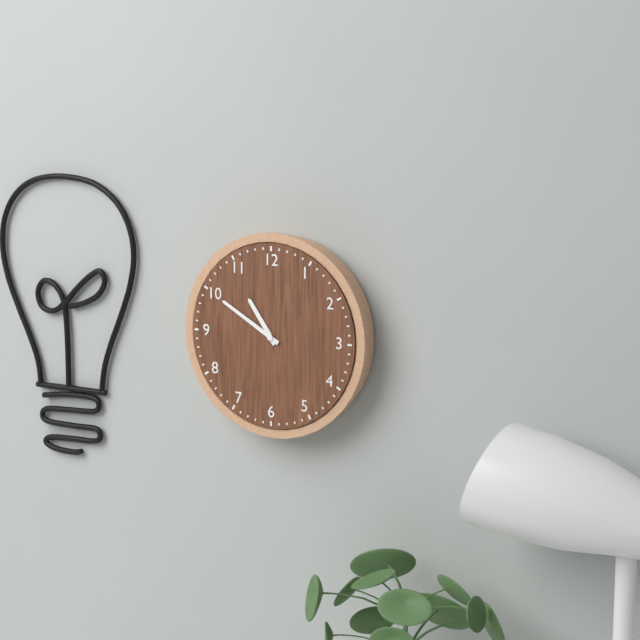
10:50
